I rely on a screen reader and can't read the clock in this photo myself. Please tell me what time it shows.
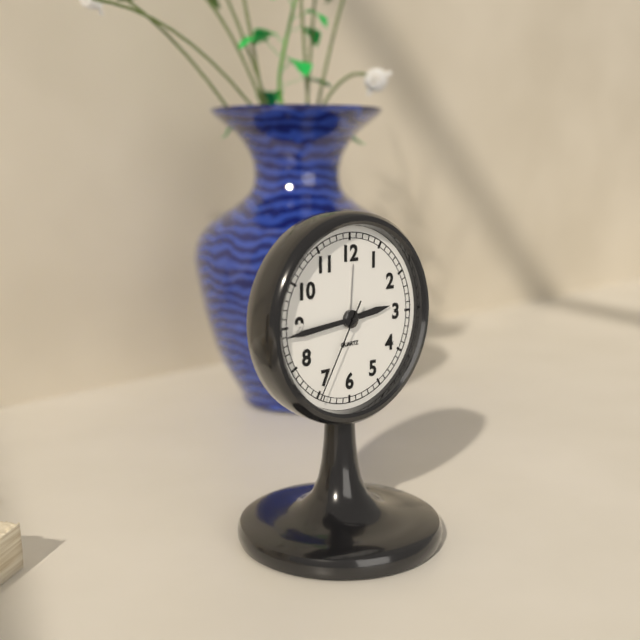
2:44:35
